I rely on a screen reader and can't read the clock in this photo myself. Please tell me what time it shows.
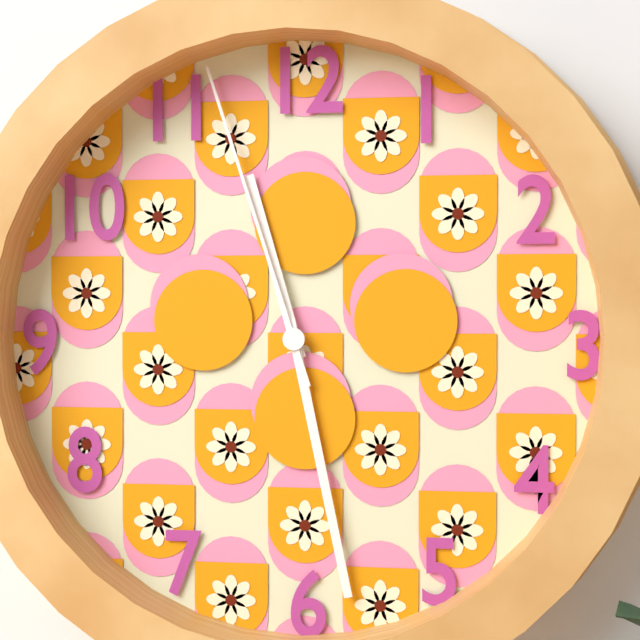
11:28:57
